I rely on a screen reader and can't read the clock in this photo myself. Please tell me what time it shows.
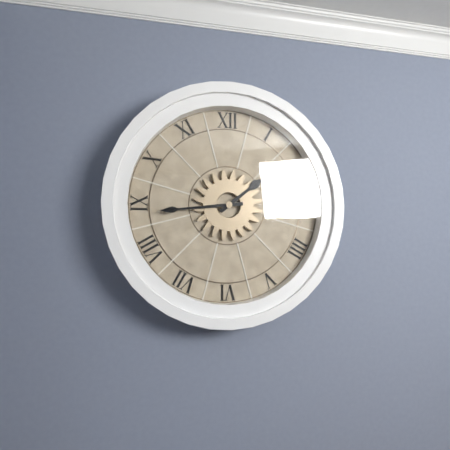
1:44
